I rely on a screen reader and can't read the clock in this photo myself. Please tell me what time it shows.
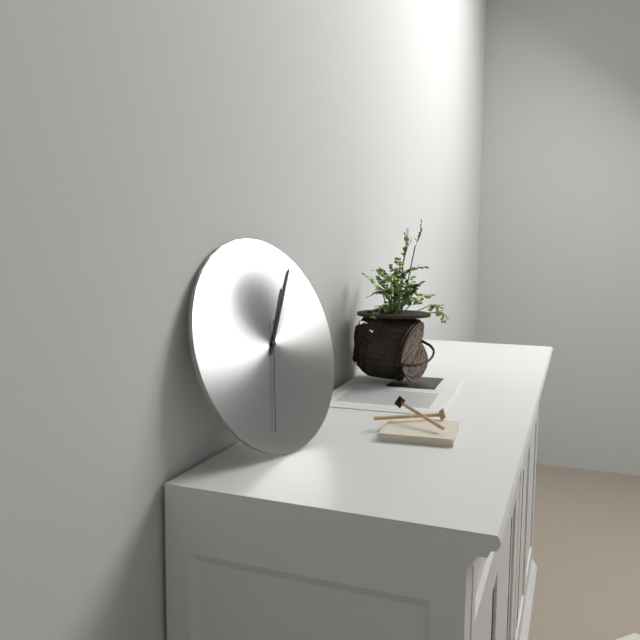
1:06:33
